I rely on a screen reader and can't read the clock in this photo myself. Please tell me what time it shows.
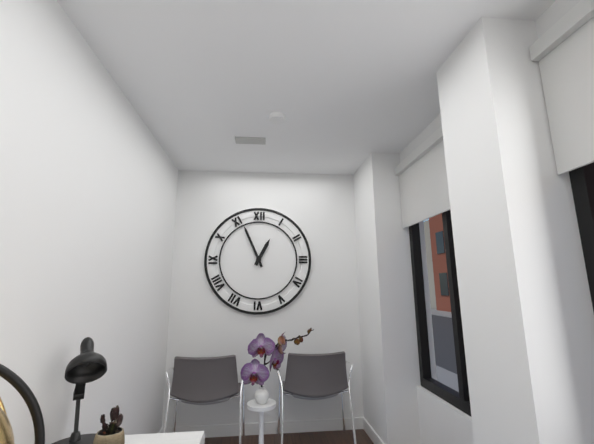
12:56
